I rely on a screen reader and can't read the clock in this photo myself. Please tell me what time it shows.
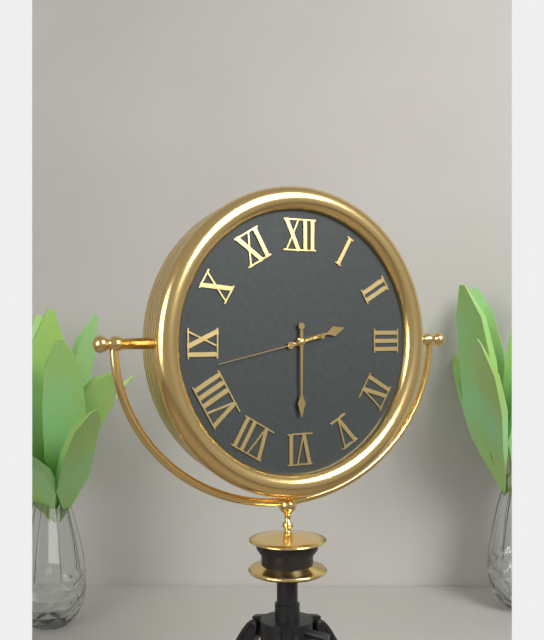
2:30:43
